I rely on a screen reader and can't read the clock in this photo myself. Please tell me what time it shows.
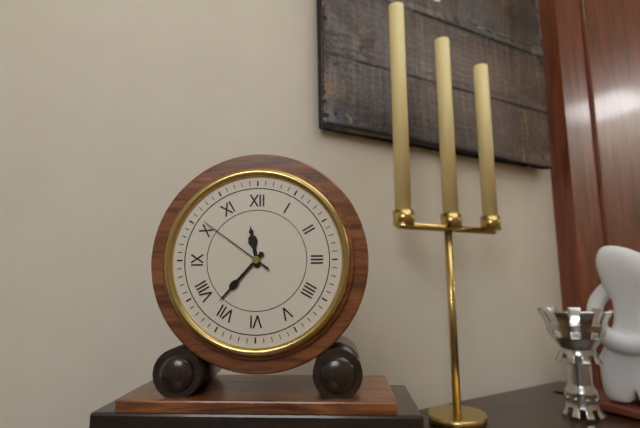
11:37:51
